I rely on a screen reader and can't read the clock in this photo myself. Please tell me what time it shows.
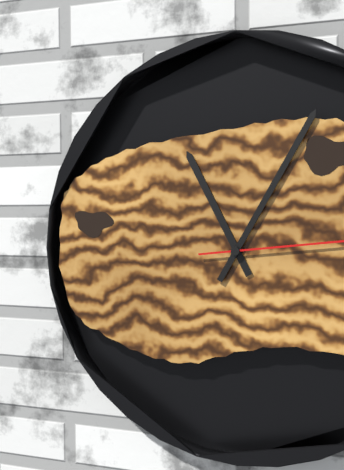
11:05
